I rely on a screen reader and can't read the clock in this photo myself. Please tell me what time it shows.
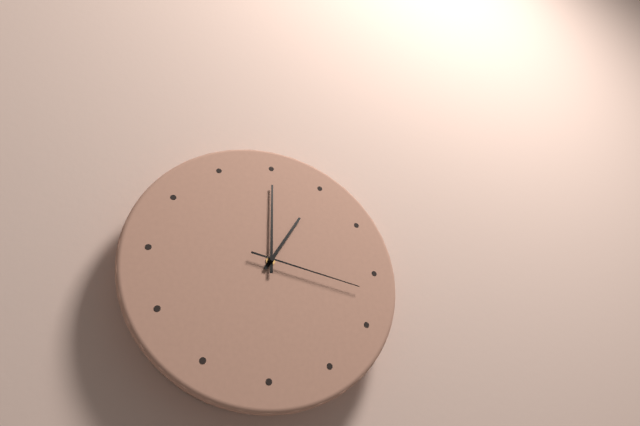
1:00:17
